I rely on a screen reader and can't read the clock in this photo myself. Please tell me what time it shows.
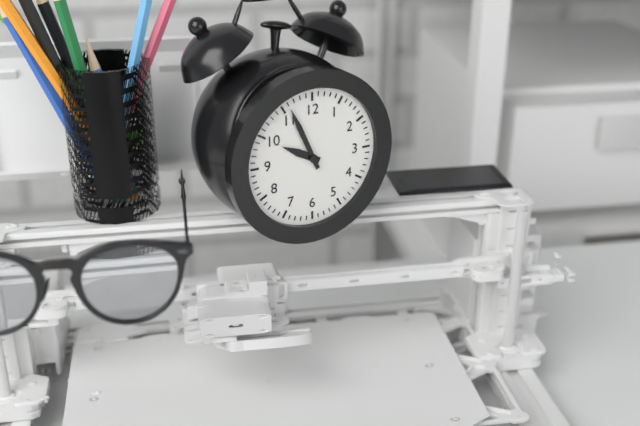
9:56
